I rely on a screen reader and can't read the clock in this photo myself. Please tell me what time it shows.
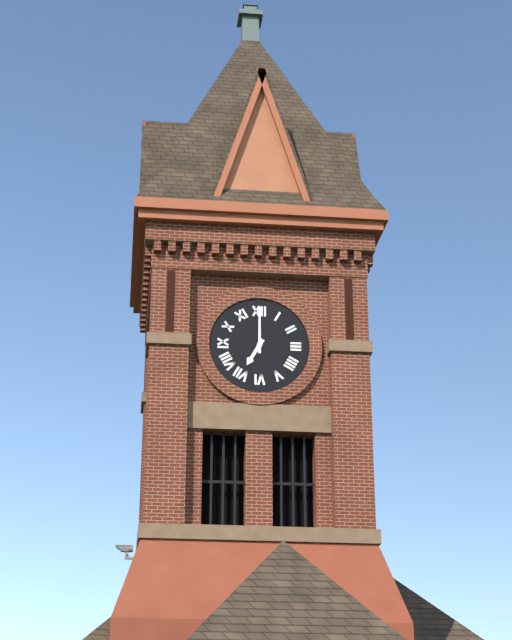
7:00
